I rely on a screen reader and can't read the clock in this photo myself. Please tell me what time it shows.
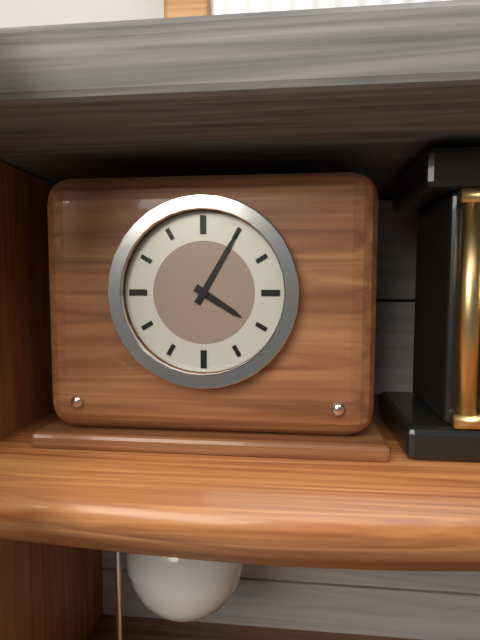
4:05
